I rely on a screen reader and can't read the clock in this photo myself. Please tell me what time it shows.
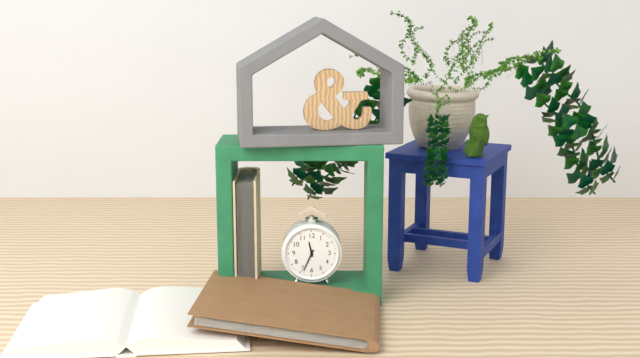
11:34
